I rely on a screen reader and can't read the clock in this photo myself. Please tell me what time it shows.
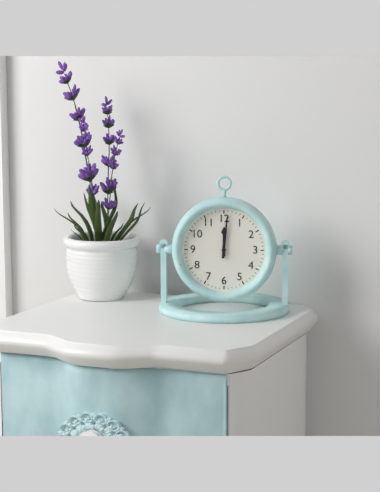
12:01
